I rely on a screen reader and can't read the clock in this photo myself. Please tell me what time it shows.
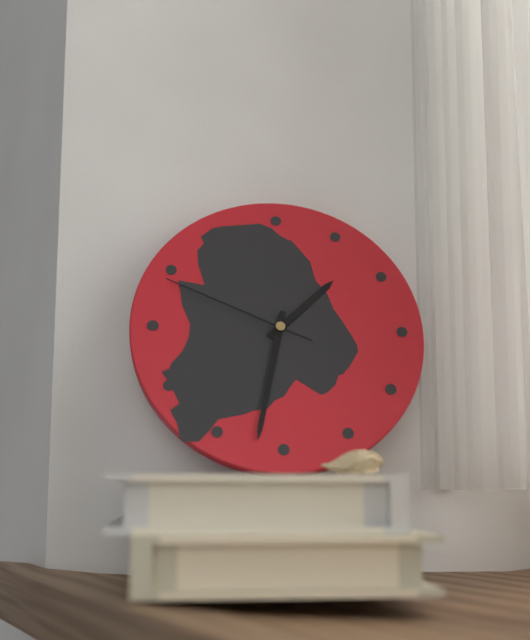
1:32:49
